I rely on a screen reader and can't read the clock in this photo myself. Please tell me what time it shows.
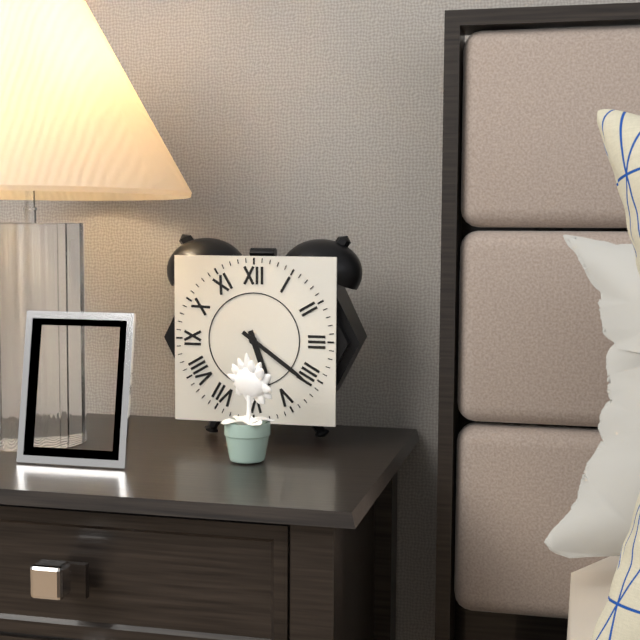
5:21
